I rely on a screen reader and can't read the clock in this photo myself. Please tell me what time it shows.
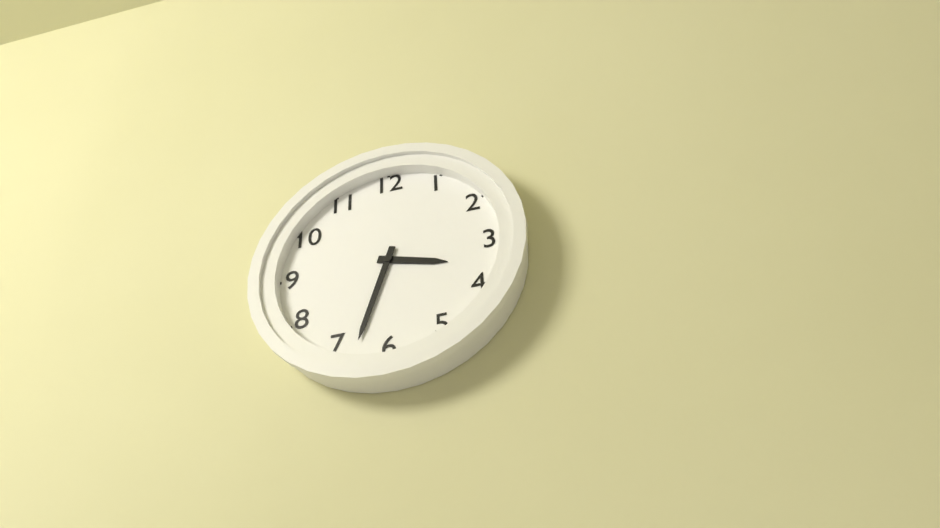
3:33
